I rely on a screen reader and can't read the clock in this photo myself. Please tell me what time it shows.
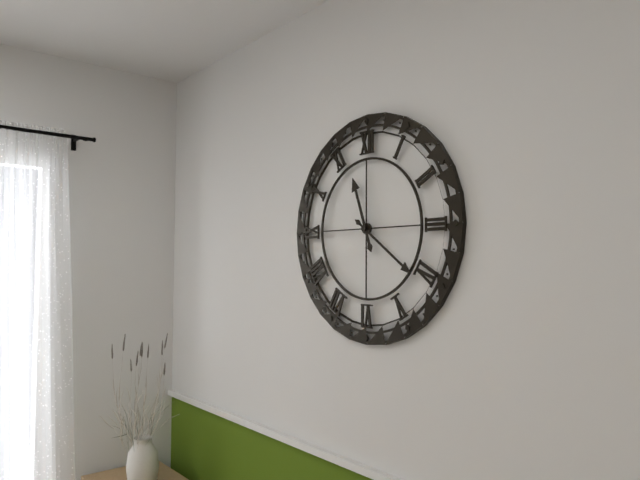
11:21
